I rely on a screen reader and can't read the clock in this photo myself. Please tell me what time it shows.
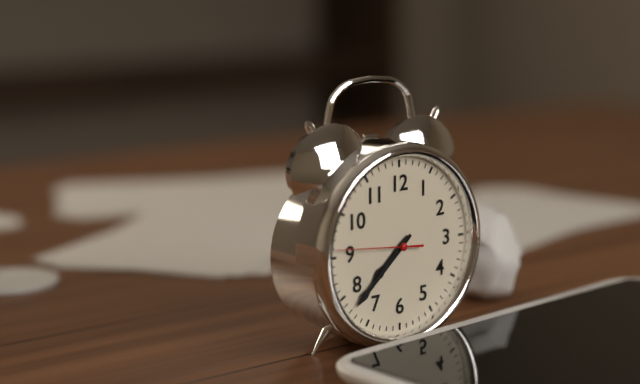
7:38:46
